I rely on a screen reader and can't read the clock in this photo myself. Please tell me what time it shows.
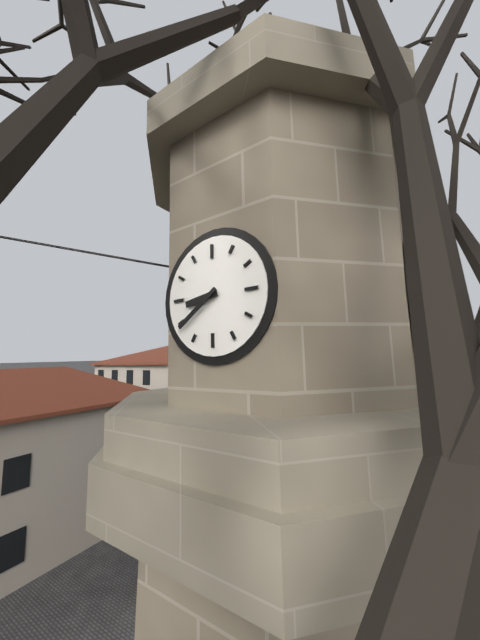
8:39
